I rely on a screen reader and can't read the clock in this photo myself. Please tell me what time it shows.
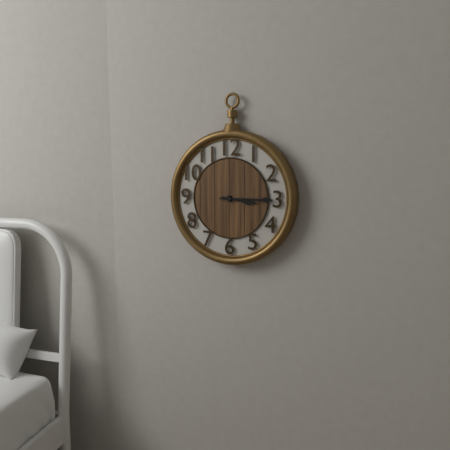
3:15
